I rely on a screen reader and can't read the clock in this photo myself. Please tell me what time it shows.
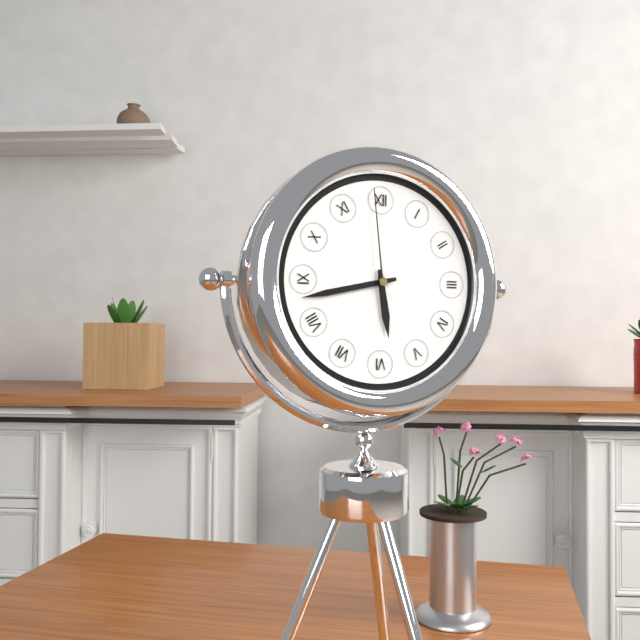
5:43:59
